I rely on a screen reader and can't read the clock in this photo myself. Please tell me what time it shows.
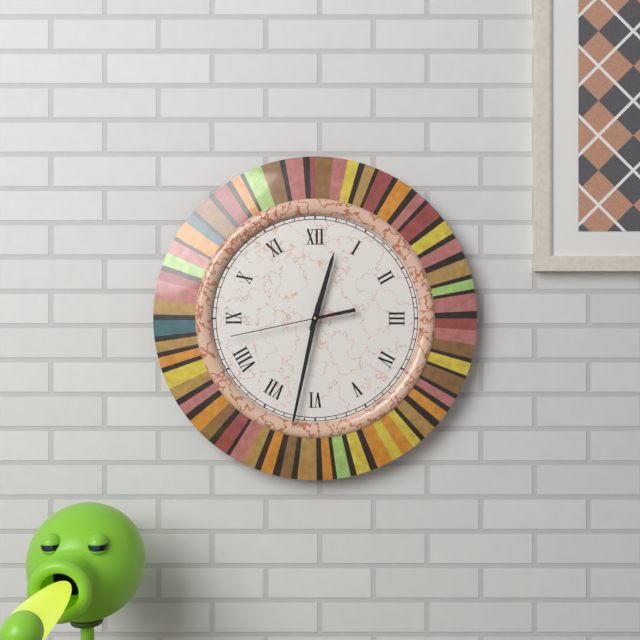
12:32:43
